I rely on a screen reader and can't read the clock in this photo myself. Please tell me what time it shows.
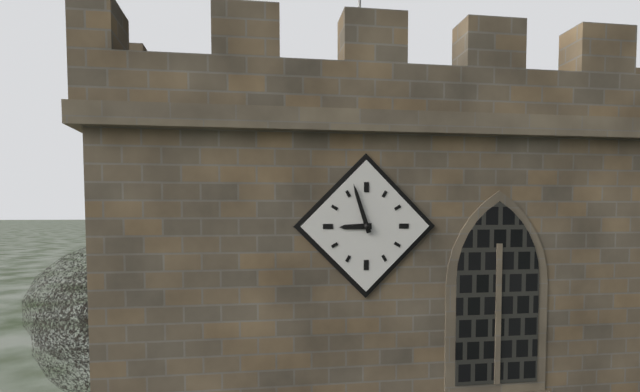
8:57
